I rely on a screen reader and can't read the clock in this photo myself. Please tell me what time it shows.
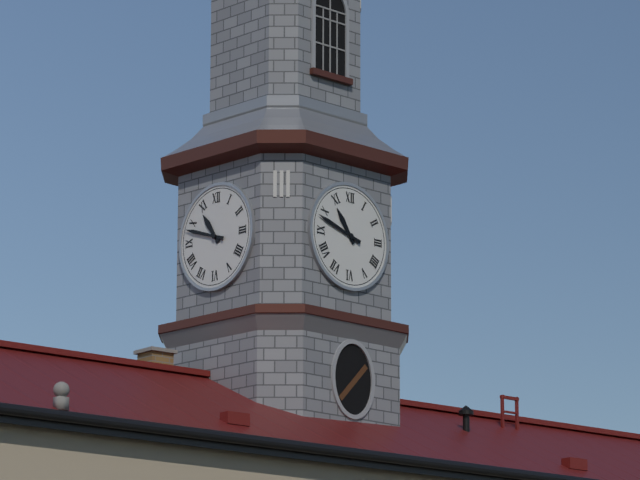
10:48
